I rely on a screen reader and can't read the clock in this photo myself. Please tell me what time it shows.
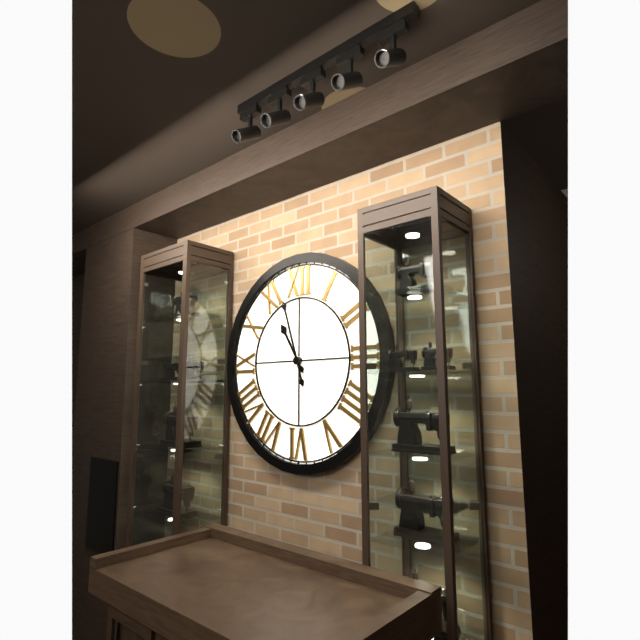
10:57
